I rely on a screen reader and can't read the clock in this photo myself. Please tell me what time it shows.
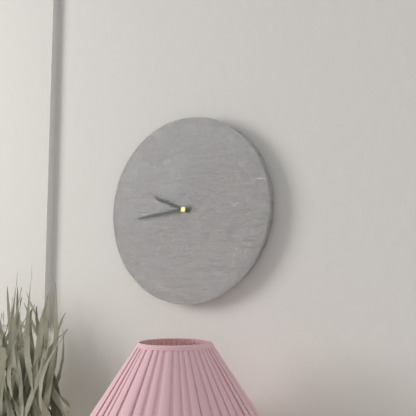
9:44
